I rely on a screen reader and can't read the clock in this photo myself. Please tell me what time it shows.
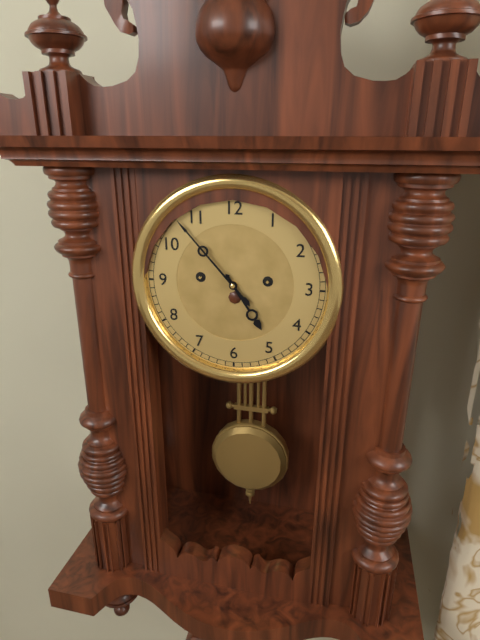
4:53
